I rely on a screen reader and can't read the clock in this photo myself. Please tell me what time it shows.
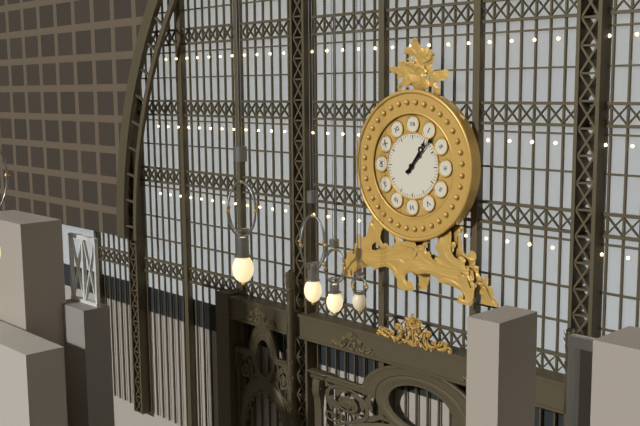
1:07
